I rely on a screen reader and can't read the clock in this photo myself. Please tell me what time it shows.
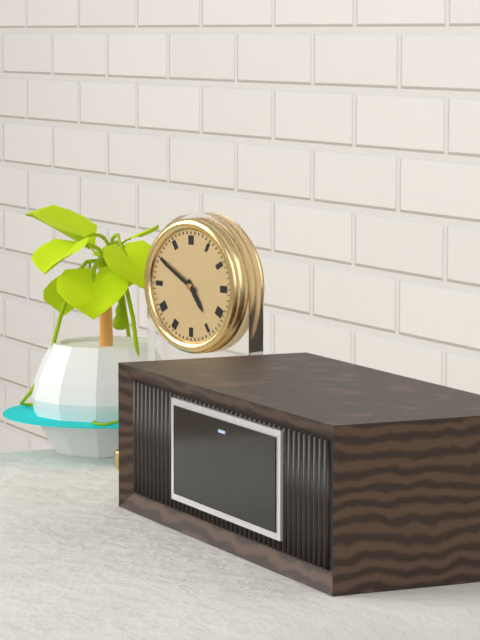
4:50
